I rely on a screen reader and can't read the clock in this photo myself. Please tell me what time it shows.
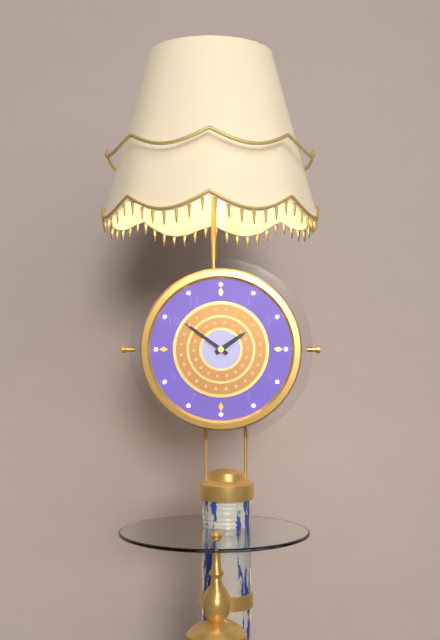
1:51
